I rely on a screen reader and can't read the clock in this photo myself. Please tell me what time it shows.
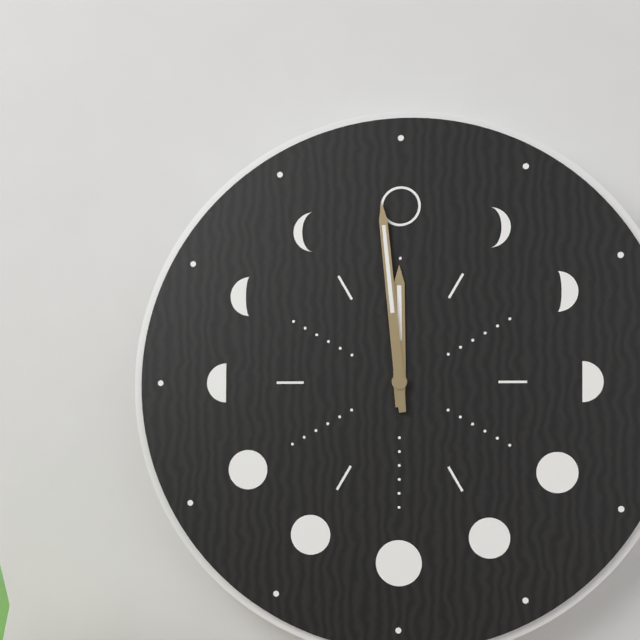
11:59
